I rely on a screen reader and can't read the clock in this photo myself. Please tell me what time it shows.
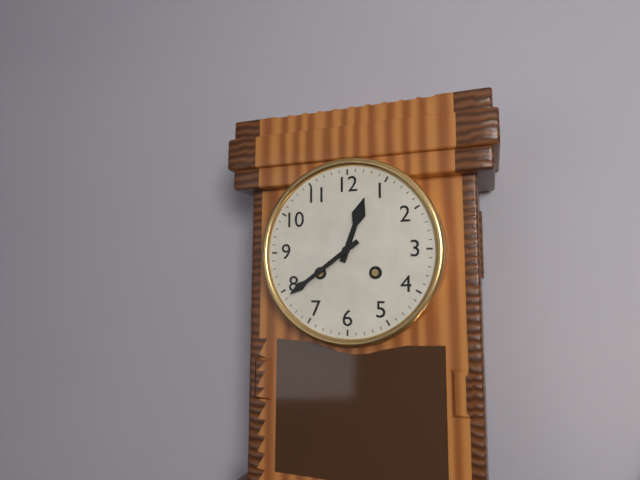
12:39
